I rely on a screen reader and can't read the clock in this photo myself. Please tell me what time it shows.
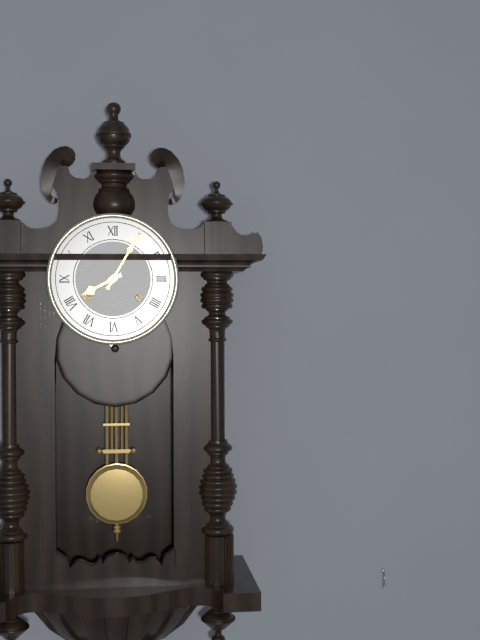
8:05
